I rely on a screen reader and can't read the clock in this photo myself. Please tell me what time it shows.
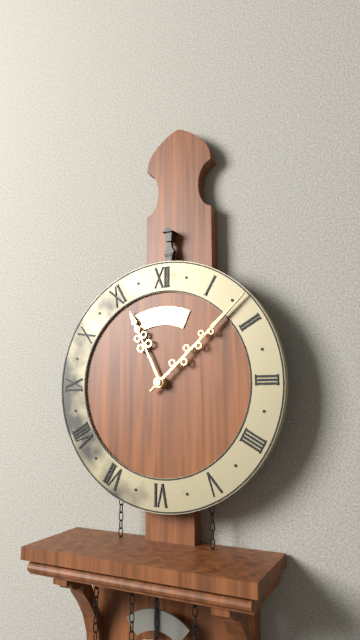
11:08
